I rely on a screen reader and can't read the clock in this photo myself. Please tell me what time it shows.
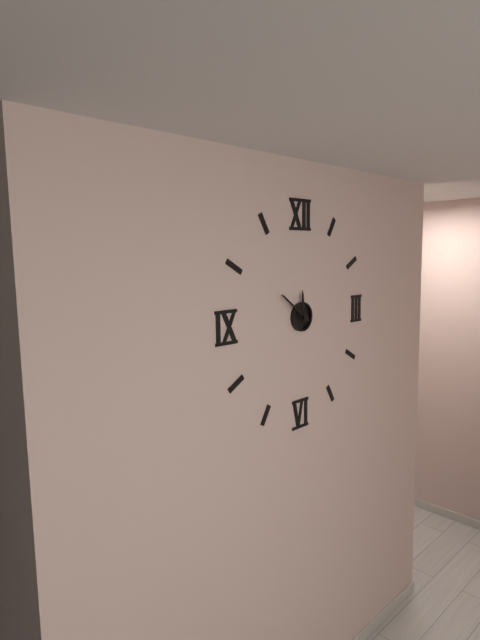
11:51
